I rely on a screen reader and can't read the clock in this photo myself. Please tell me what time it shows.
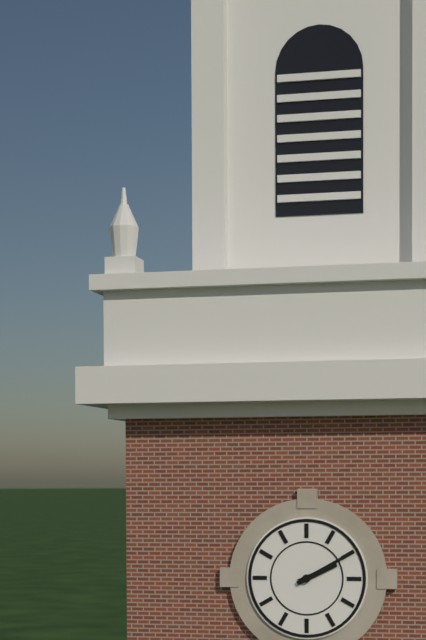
2:10
